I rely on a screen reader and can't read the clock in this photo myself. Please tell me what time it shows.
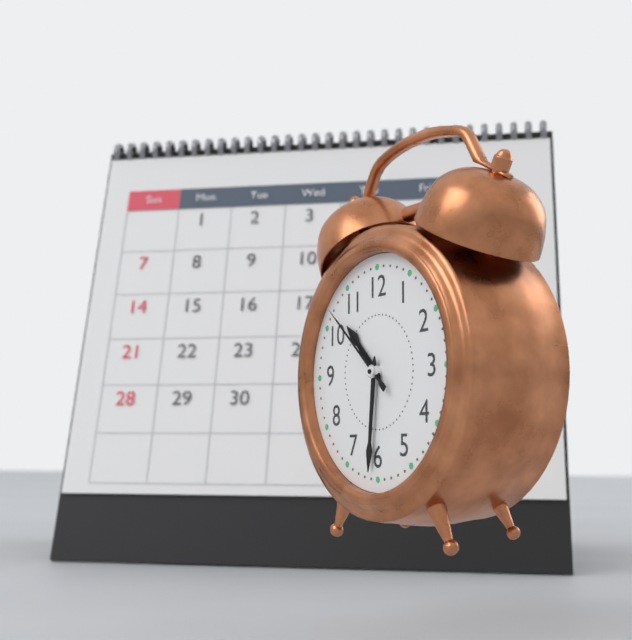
10:31:52
